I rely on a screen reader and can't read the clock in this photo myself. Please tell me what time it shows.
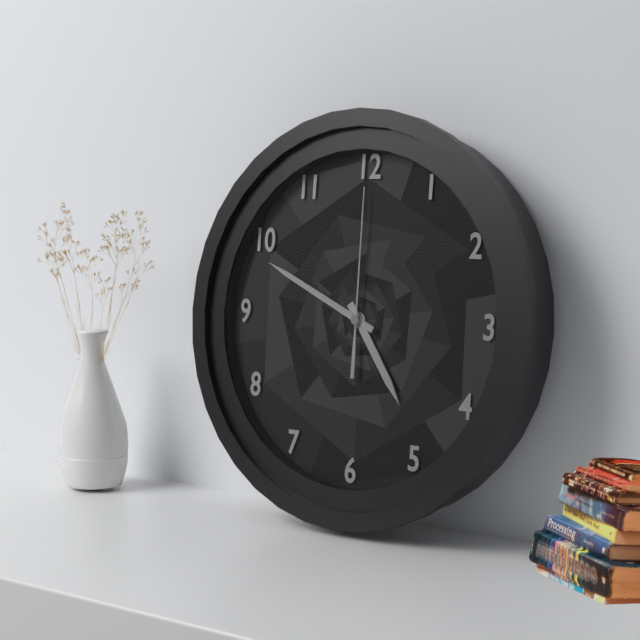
4:49:00
